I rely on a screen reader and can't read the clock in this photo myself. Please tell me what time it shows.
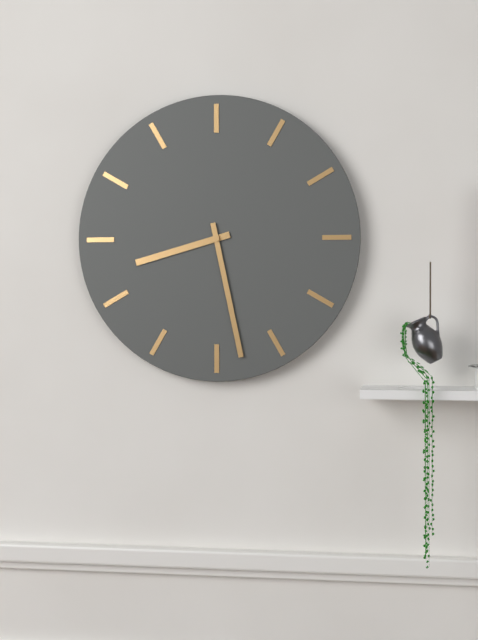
8:28
